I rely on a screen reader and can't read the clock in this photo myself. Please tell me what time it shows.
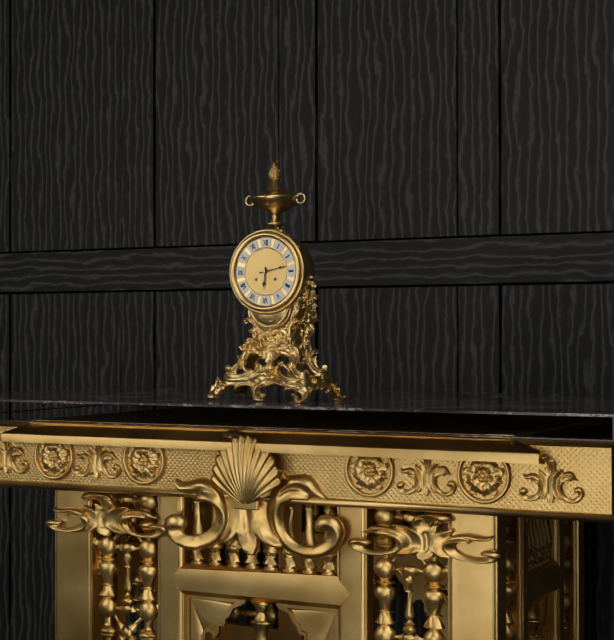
6:13
